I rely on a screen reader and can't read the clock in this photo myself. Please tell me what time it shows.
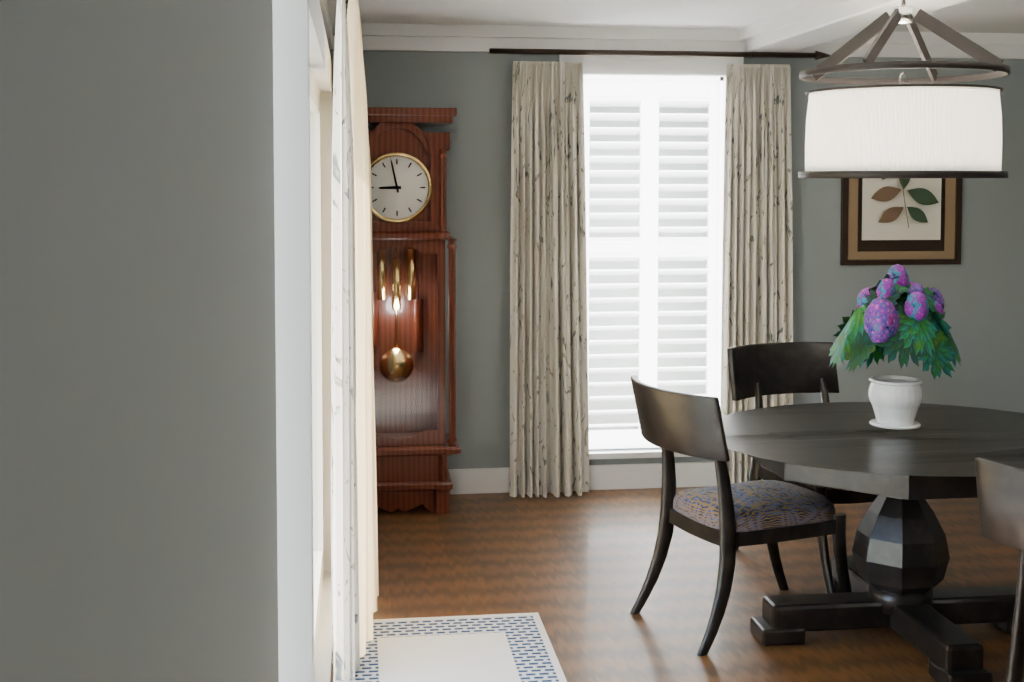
8:58
